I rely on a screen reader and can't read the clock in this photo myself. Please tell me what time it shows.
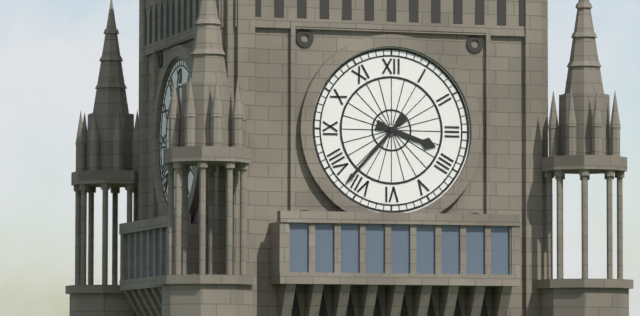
3:37
